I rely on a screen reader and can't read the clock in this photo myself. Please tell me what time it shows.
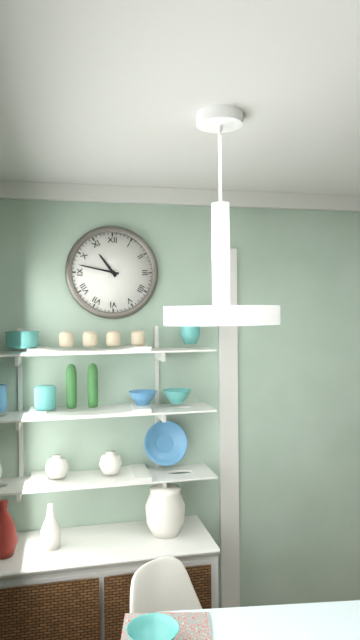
10:47
